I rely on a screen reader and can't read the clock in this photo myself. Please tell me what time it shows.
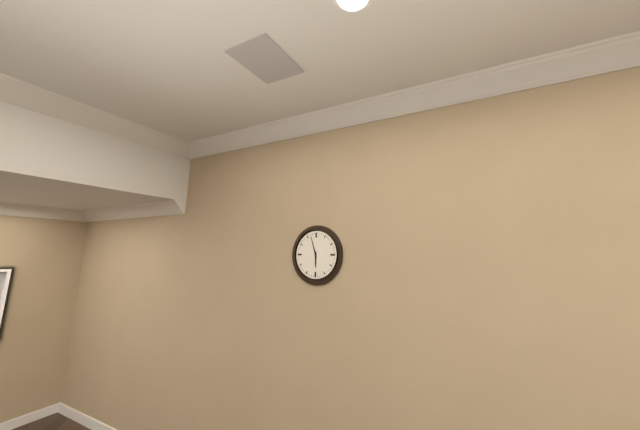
5:57
